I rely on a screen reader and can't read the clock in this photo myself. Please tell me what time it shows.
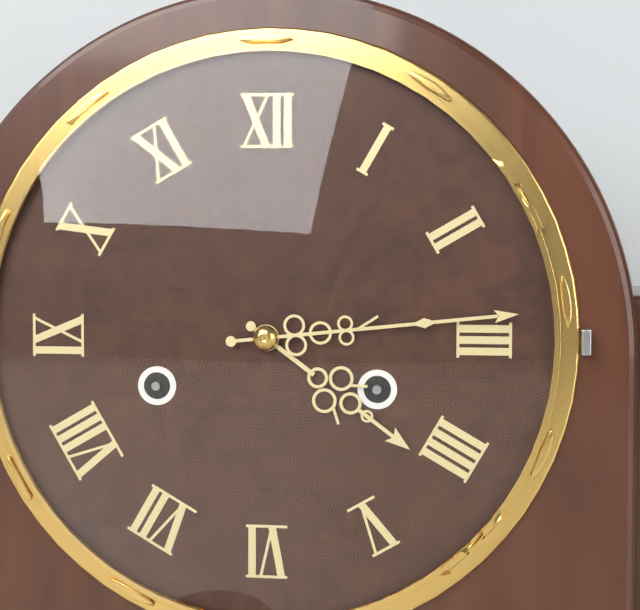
4:14
